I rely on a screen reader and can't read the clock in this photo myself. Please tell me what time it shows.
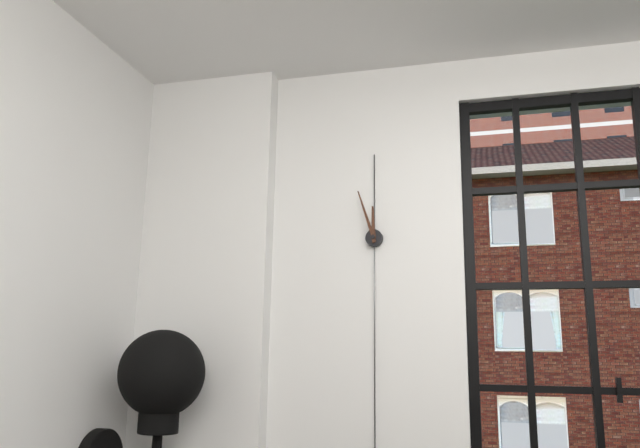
11:57
